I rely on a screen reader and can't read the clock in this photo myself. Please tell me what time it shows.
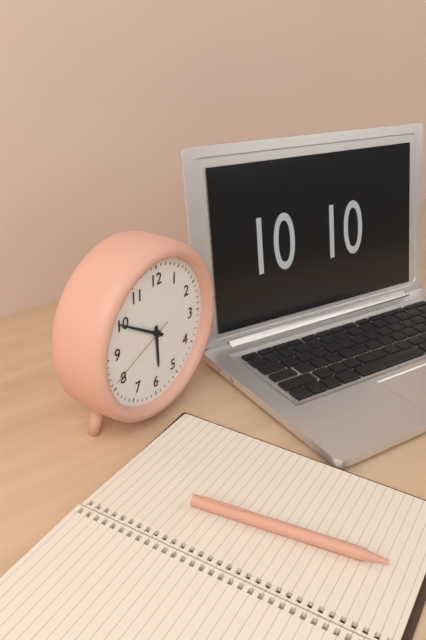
5:50:41
